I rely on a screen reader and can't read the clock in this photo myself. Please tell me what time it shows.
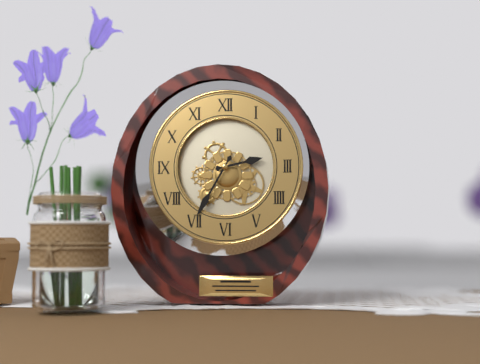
2:35
